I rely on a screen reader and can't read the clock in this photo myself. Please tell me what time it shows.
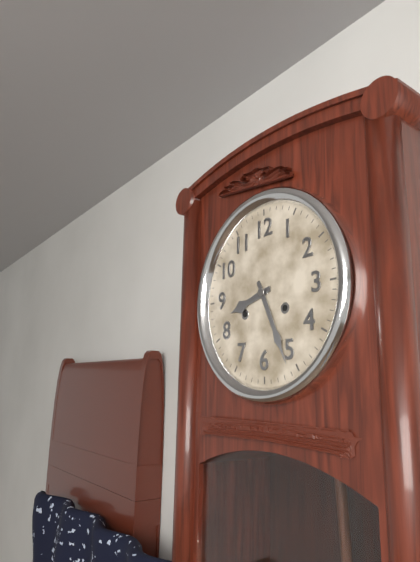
8:26
